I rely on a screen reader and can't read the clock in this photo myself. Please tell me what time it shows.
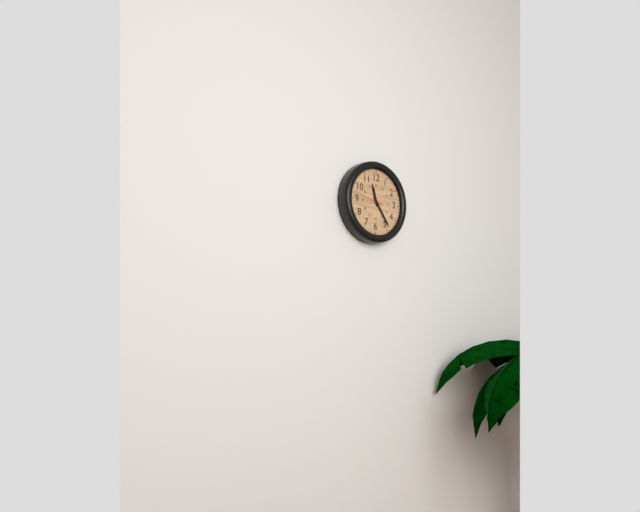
11:24
